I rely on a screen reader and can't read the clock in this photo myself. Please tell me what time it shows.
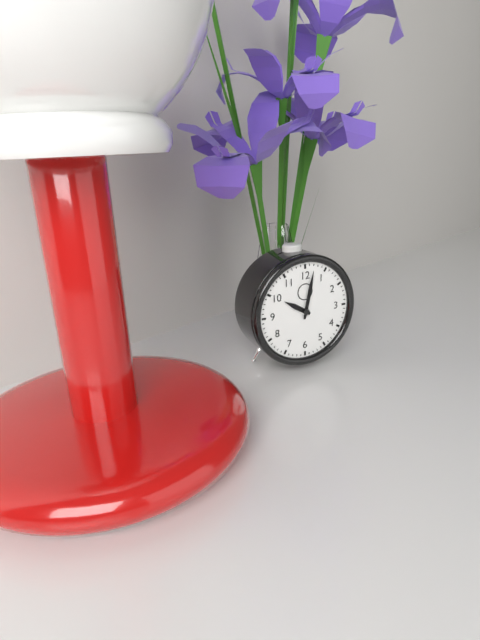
10:02
